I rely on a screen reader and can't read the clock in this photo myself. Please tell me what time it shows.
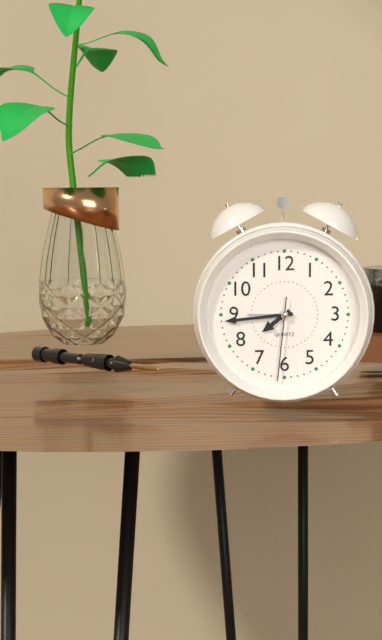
7:44:31
